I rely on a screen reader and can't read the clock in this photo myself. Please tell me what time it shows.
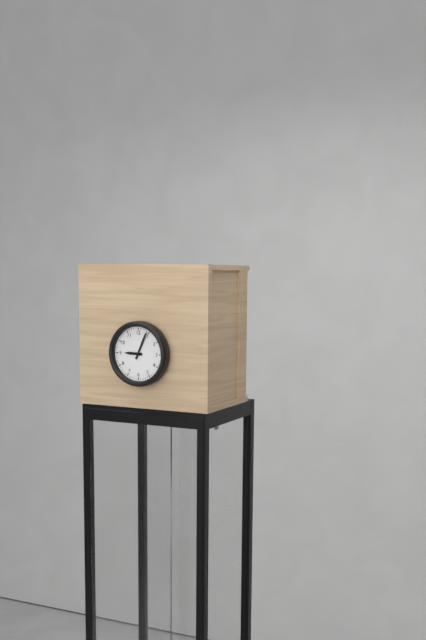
9:04
